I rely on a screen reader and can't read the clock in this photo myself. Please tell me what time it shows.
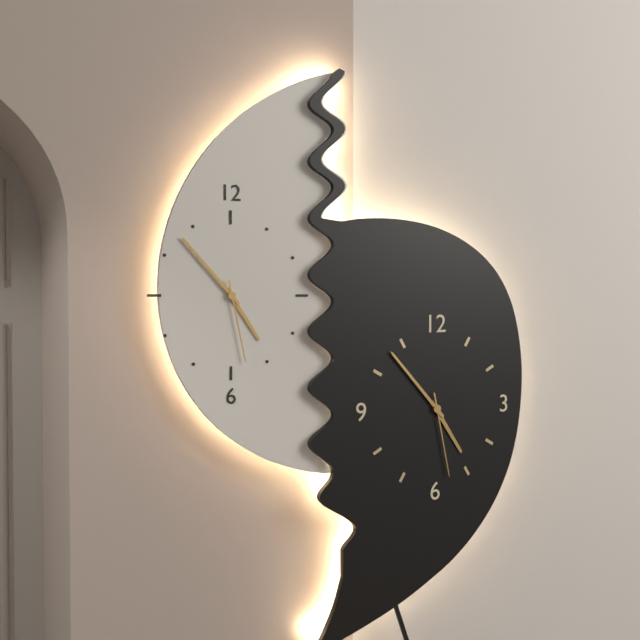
4:53:28
